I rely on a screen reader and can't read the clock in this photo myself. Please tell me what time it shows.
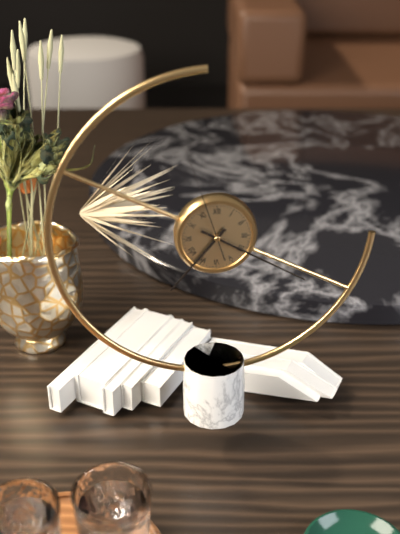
7:20:57
